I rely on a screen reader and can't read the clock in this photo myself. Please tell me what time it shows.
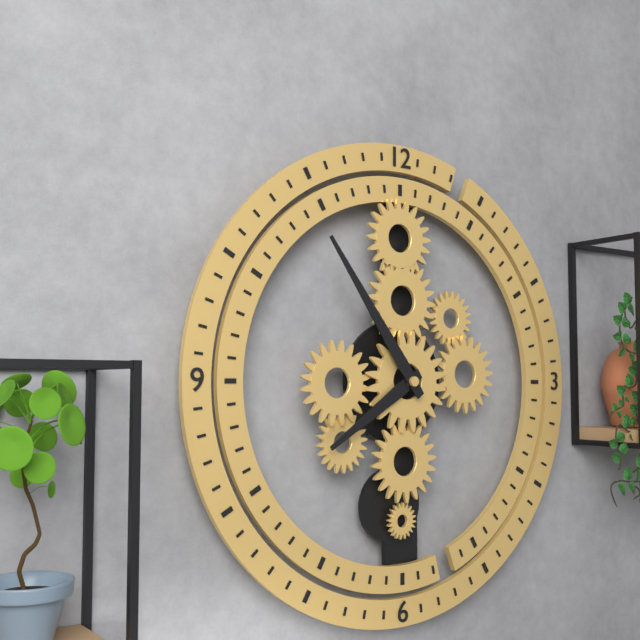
7:54
